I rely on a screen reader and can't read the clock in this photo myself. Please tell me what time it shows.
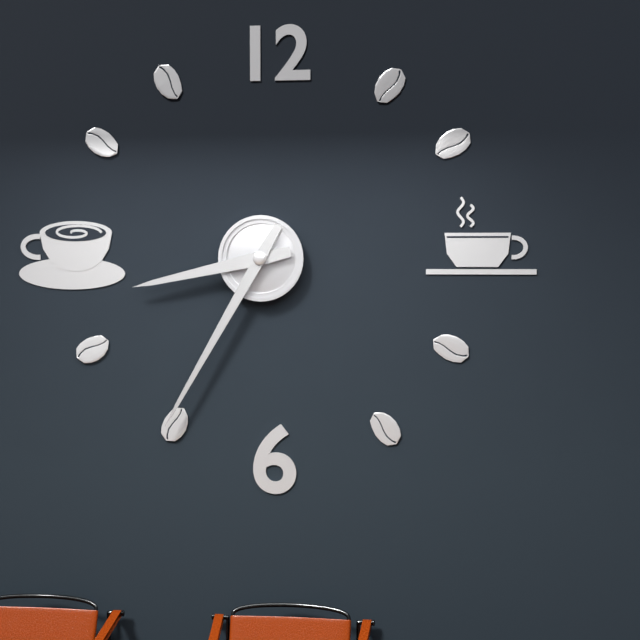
8:35
